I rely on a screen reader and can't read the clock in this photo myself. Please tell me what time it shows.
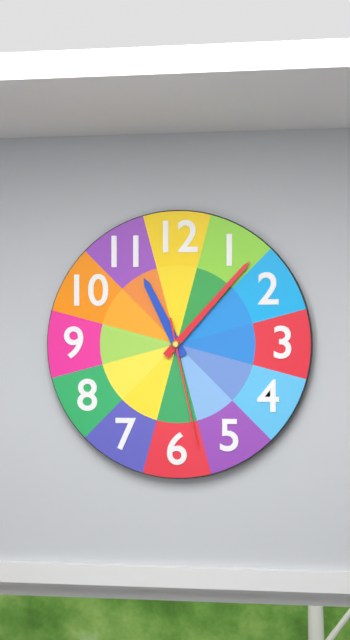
11:07:28
